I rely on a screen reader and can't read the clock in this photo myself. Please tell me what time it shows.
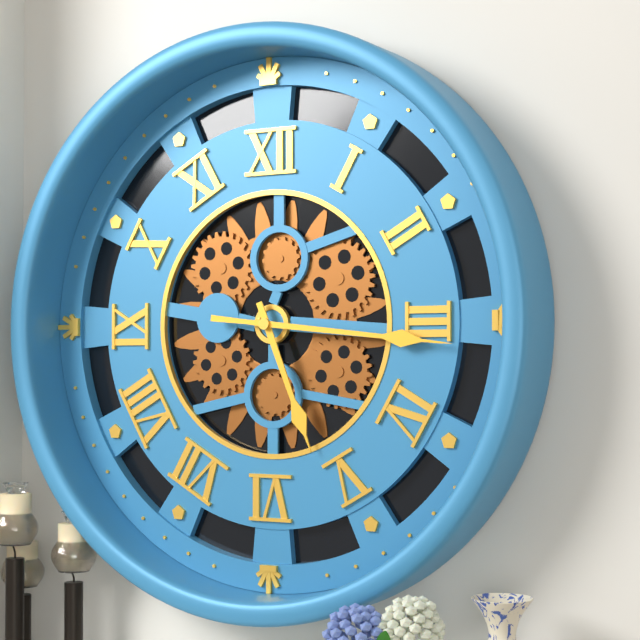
5:16
